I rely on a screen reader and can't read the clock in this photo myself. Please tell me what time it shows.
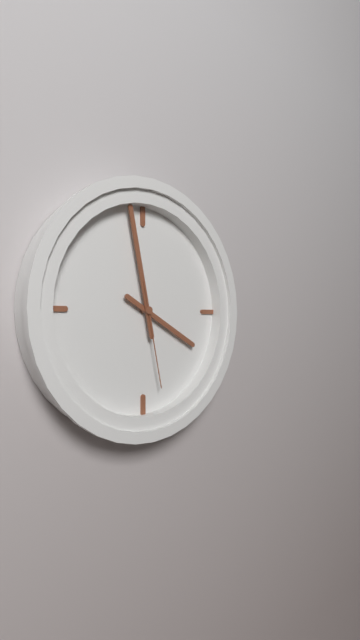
3:58:28
